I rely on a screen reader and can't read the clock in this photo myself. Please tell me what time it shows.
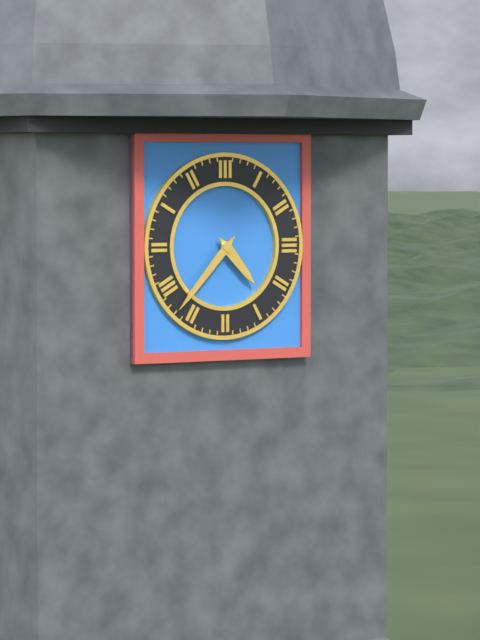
4:37
